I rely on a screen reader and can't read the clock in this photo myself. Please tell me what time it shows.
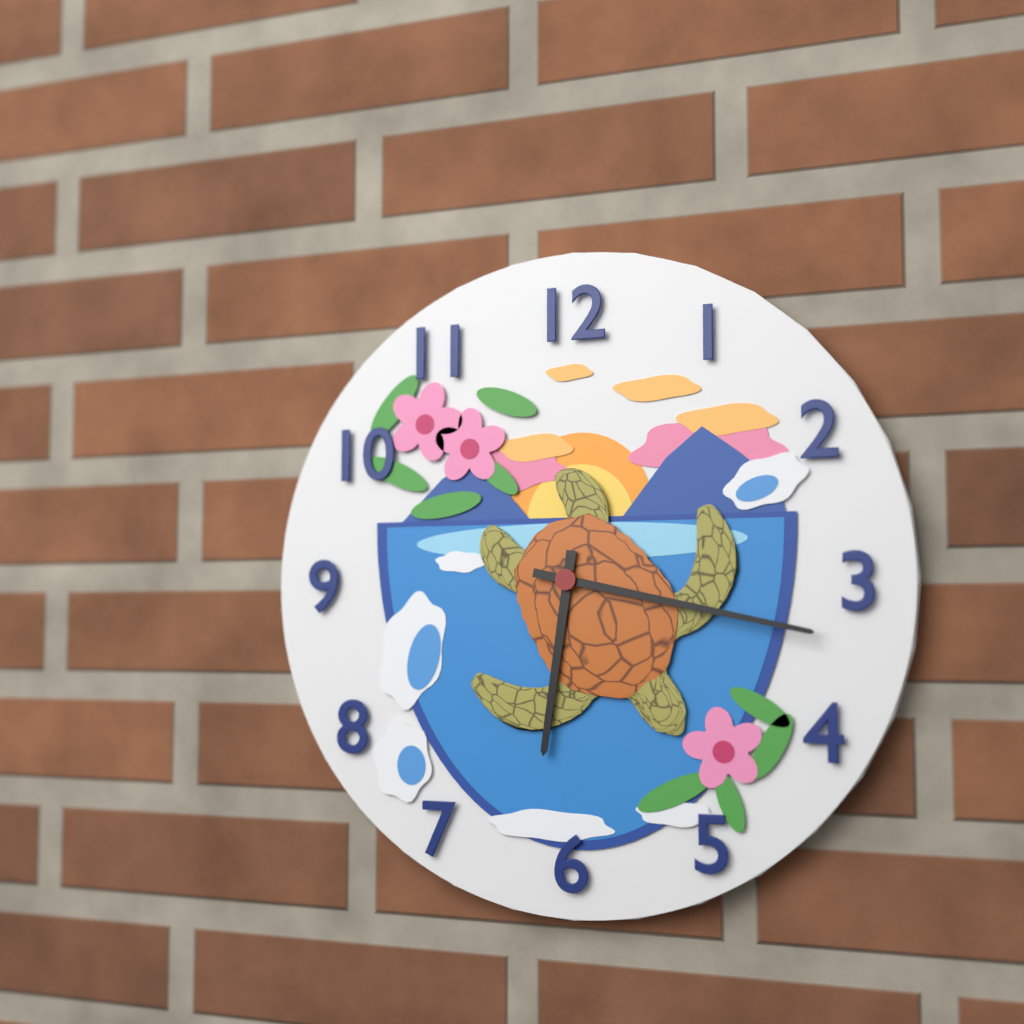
6:17
